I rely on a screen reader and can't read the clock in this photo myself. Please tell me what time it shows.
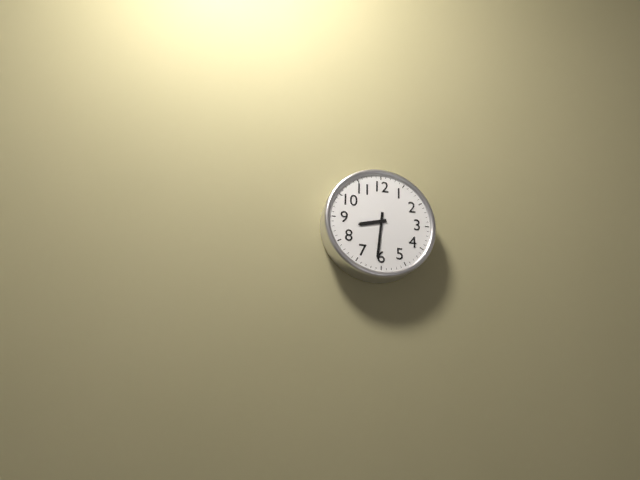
8:31
